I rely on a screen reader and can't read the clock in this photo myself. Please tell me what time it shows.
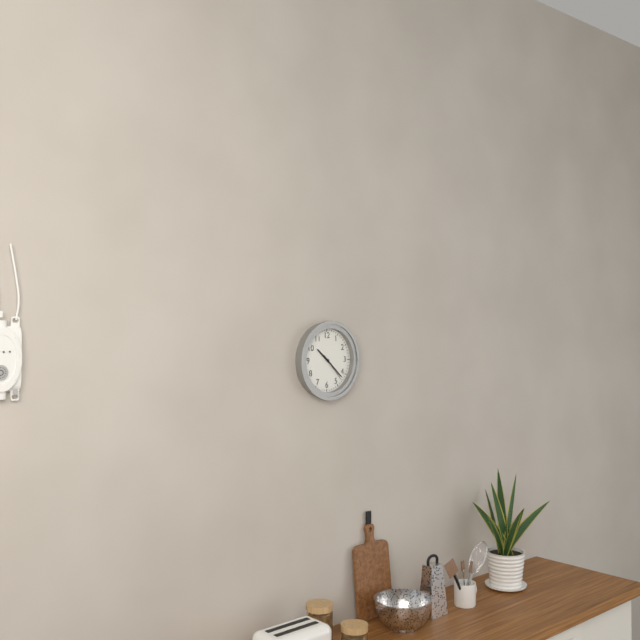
10:22
